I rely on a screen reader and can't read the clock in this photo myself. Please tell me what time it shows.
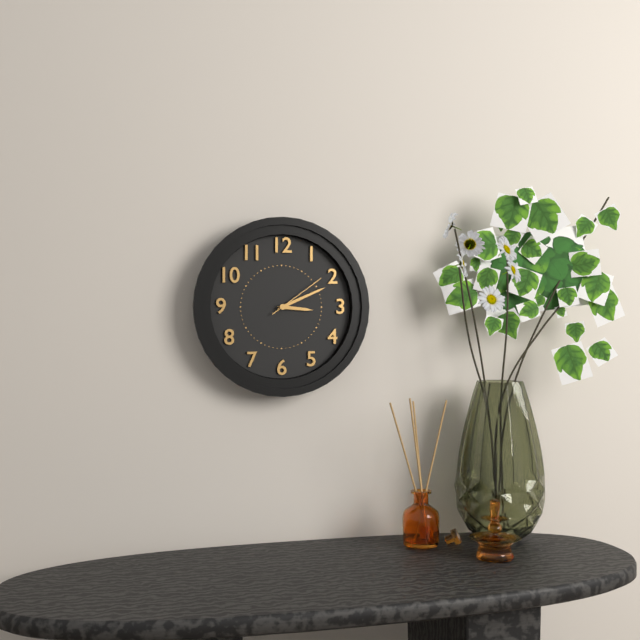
3:11:09
